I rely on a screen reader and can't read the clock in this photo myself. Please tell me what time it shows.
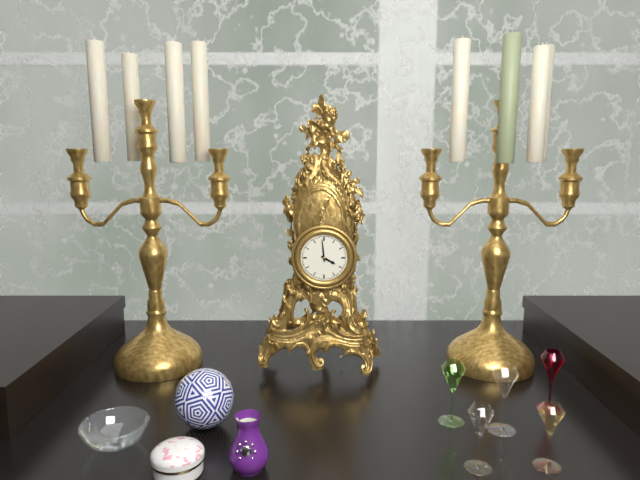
3:59
